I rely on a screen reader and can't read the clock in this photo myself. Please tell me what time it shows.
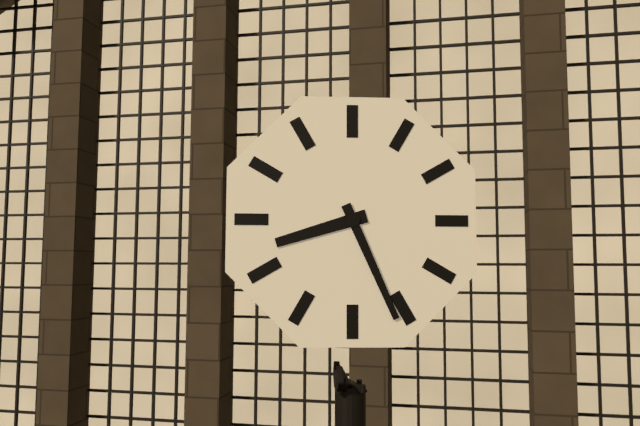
8:26
